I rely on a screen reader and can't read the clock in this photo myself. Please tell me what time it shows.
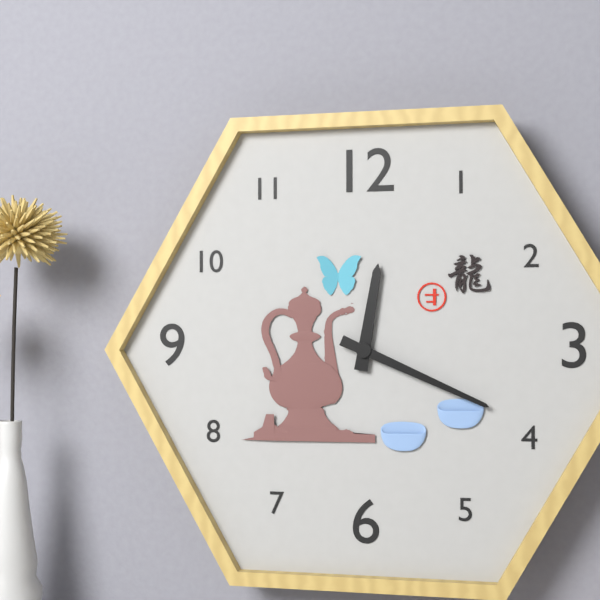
12:19
